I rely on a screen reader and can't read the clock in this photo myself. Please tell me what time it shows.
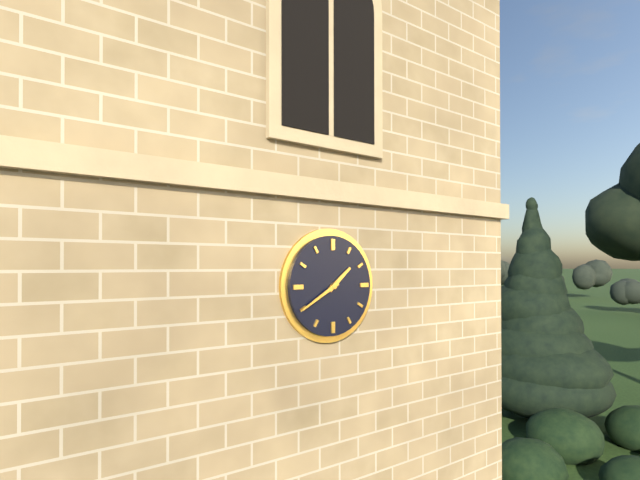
1:40
